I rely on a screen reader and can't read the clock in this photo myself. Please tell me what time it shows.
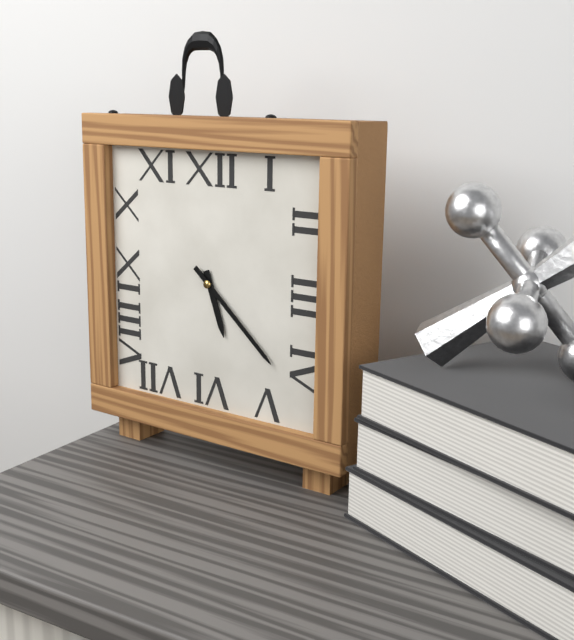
5:22
